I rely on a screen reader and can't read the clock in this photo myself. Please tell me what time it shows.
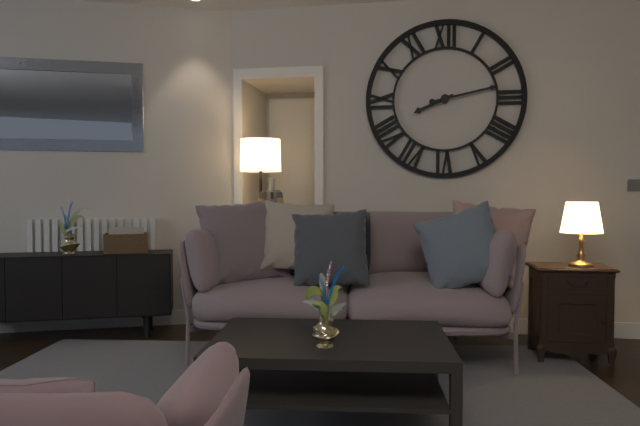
8:13
